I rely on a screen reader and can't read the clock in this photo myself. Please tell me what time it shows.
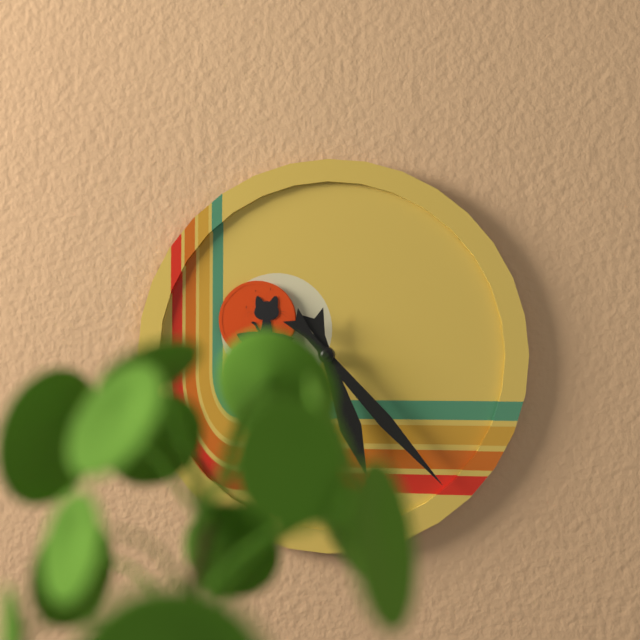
5:23
